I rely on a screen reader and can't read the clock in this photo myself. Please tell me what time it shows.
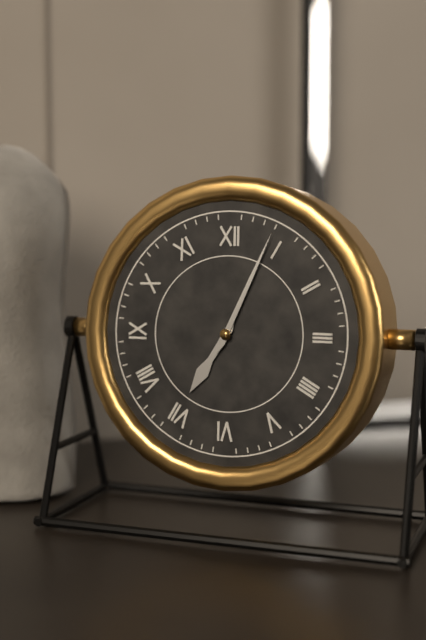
7:04
